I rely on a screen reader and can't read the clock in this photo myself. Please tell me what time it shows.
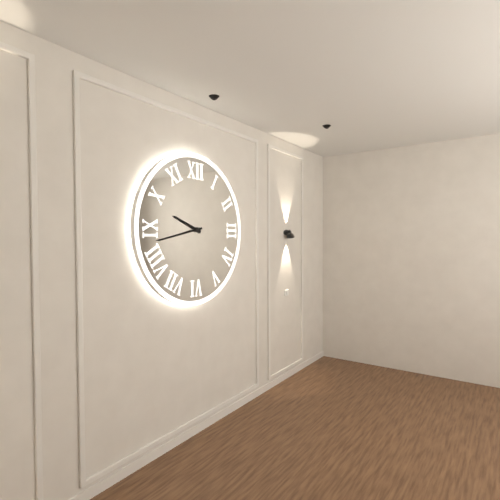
9:43
